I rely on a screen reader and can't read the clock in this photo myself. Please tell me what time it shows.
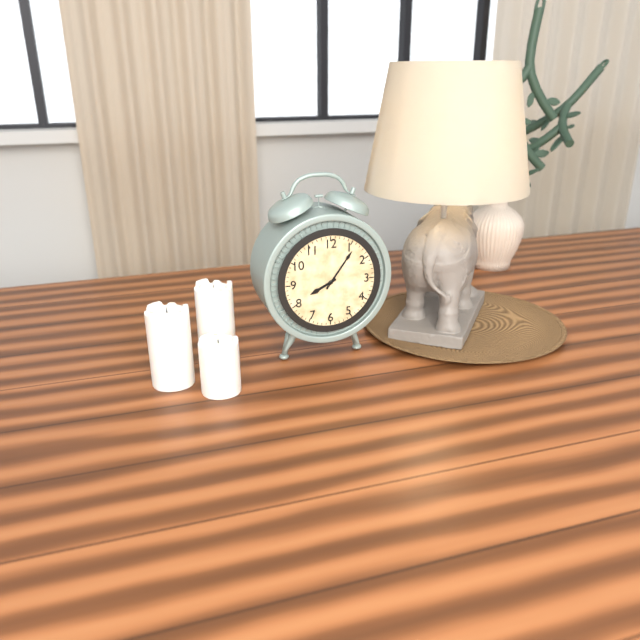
8:06
